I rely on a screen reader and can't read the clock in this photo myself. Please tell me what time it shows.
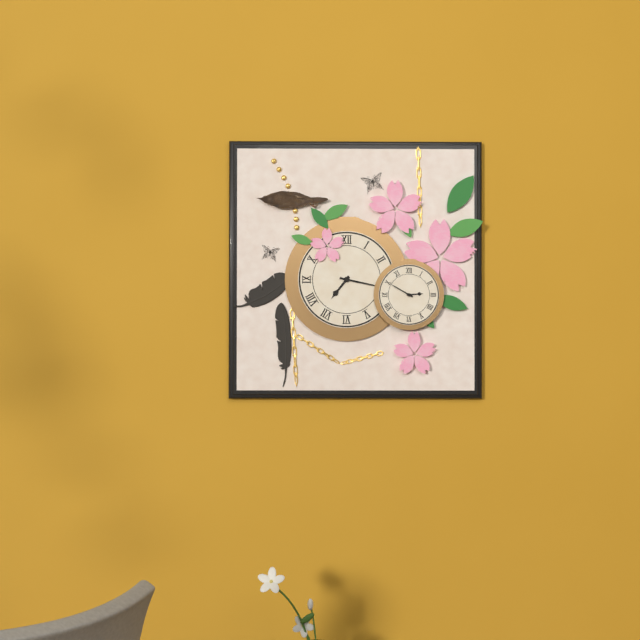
7:17
